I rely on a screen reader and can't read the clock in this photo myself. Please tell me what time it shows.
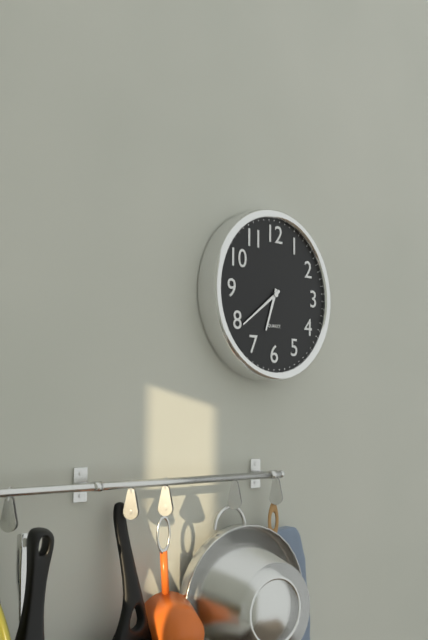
6:39
